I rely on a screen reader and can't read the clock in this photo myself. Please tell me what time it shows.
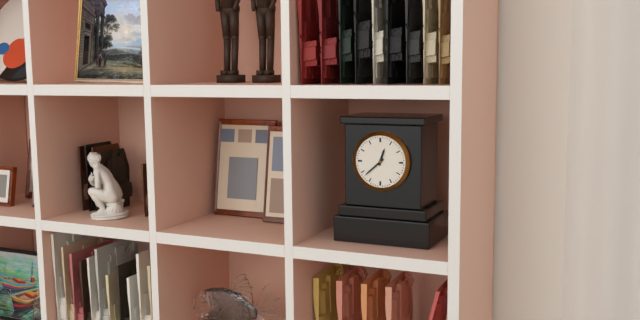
12:38
